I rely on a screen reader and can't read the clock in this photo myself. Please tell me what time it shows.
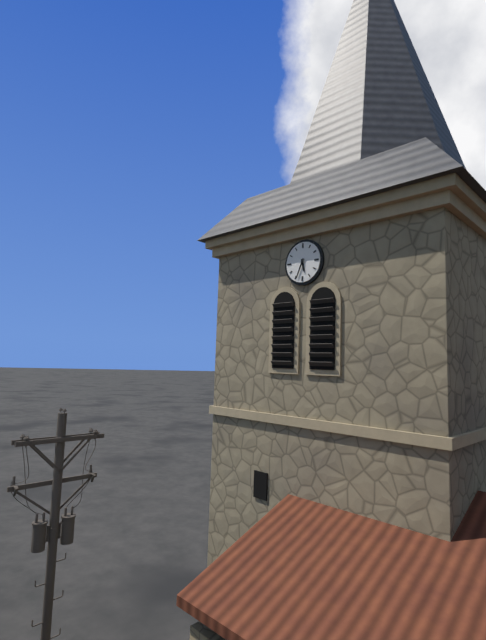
5:34
